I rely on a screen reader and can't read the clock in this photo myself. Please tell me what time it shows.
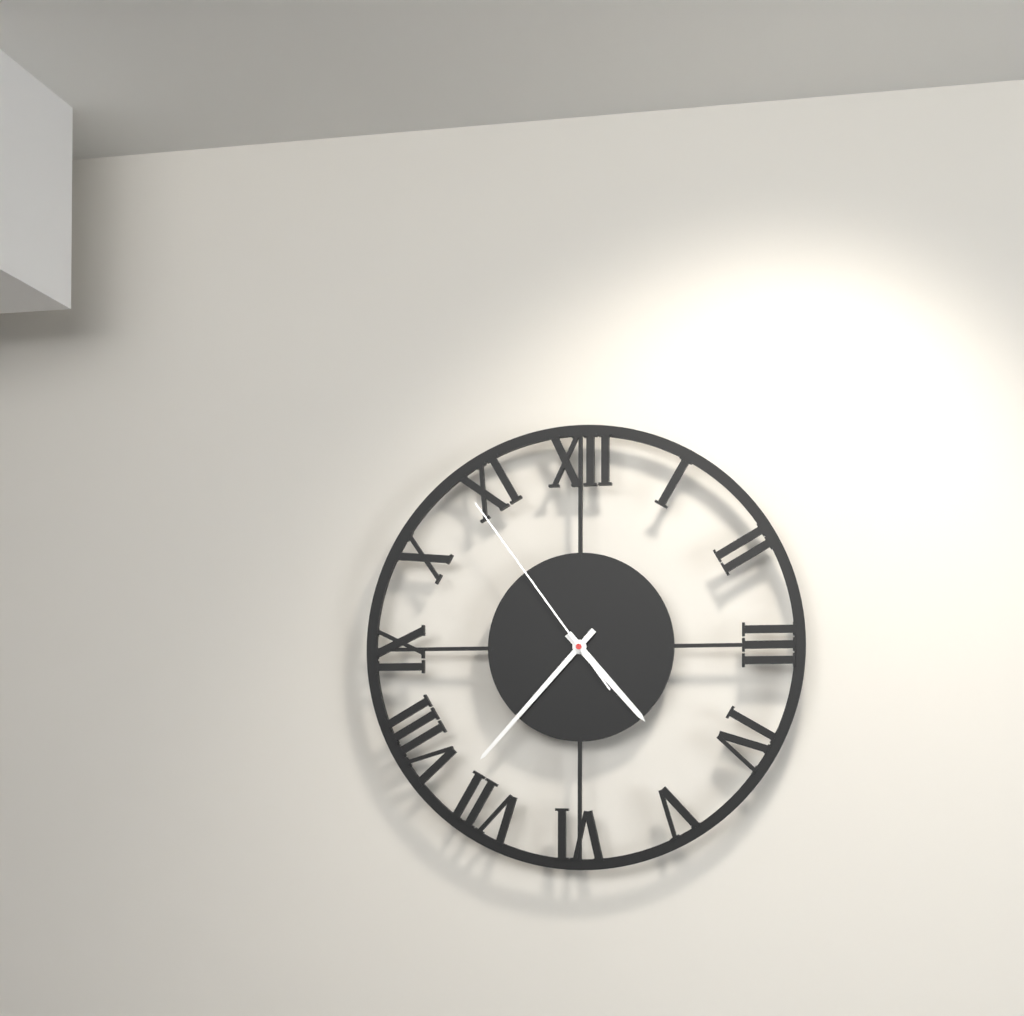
4:37:54
